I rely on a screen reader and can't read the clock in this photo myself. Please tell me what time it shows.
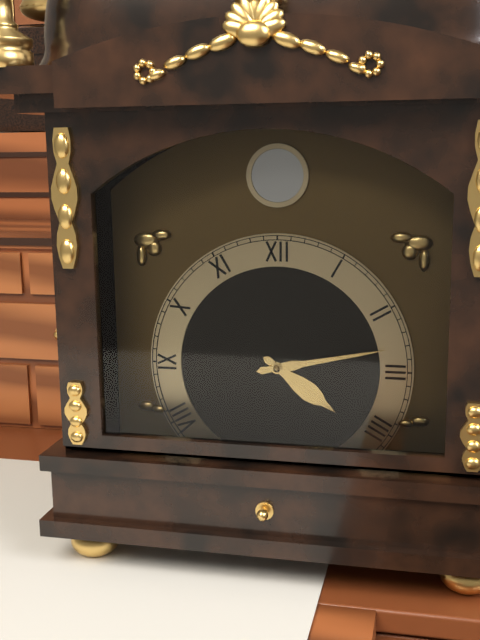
4:13
